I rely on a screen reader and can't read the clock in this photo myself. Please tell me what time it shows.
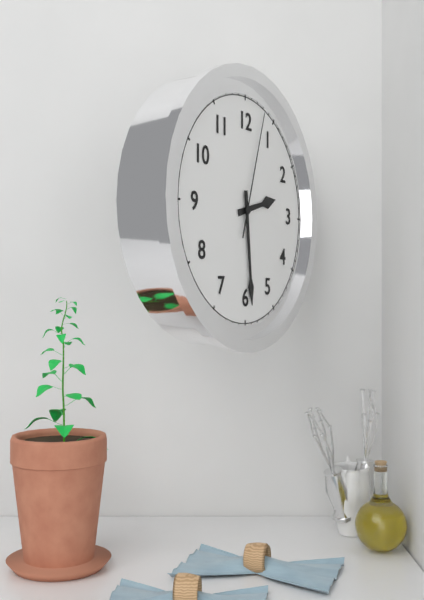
2:29:03
